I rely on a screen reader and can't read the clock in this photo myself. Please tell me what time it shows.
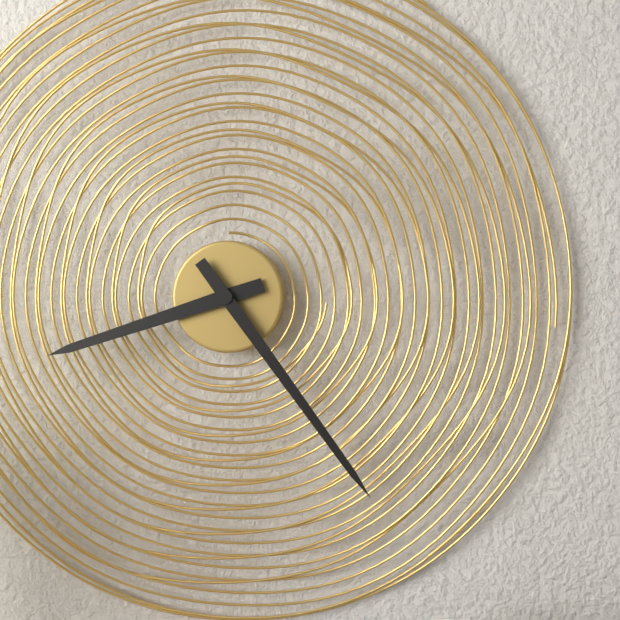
8:24
